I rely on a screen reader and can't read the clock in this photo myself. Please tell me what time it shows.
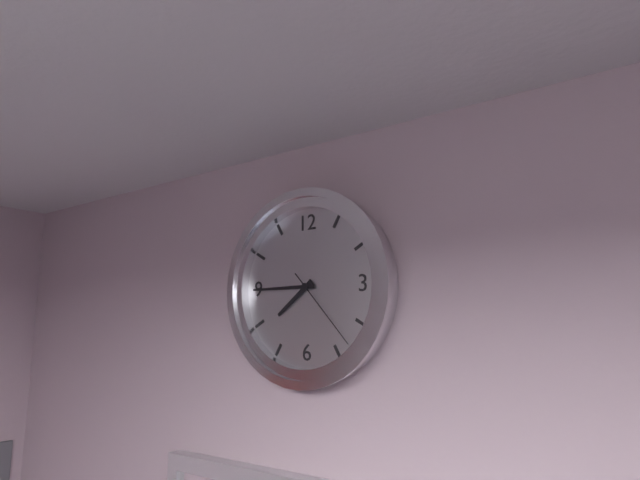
7:45:23
